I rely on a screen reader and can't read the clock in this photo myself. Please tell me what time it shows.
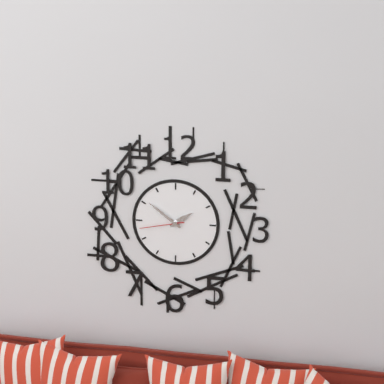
1:51
